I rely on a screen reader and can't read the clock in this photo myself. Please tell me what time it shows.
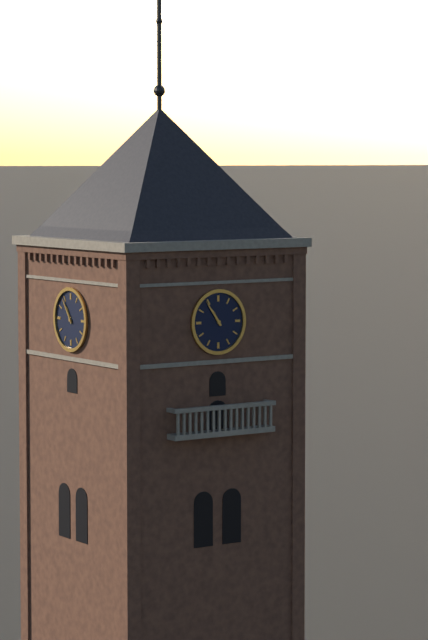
10:54
